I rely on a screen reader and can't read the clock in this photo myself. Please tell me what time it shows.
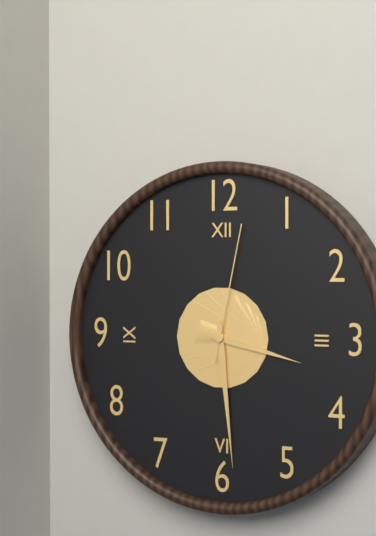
3:29:02
